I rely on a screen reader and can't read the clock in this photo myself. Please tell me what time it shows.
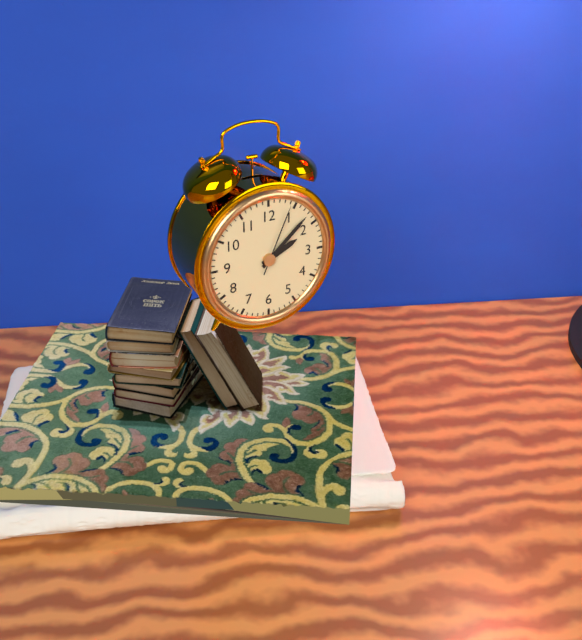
2:08:04
